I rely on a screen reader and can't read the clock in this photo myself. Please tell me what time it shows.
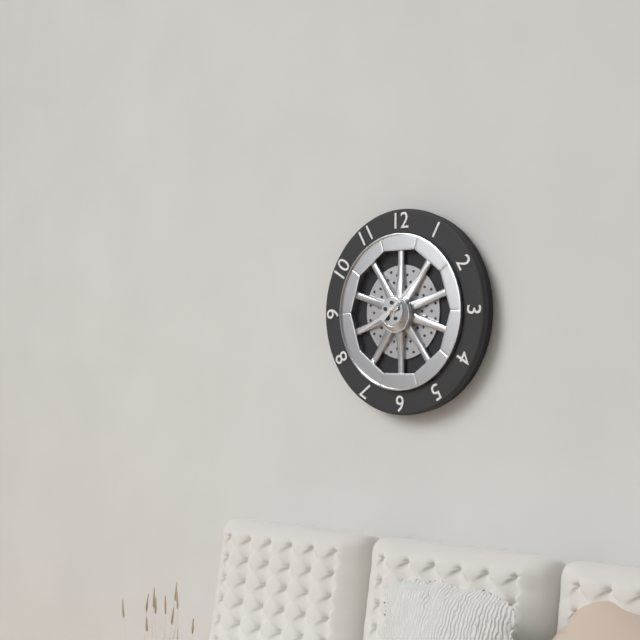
8:08
